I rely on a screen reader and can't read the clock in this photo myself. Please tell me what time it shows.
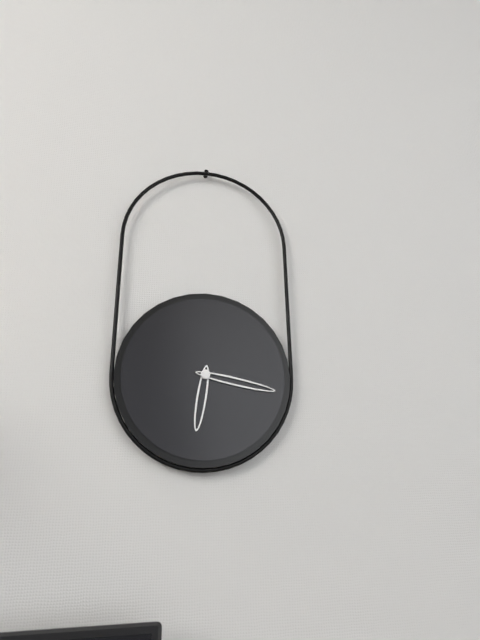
6:17
